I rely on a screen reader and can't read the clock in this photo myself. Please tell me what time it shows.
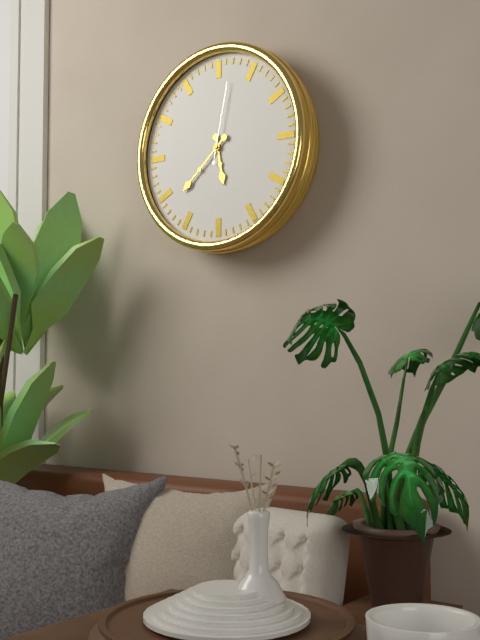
5:38:02
